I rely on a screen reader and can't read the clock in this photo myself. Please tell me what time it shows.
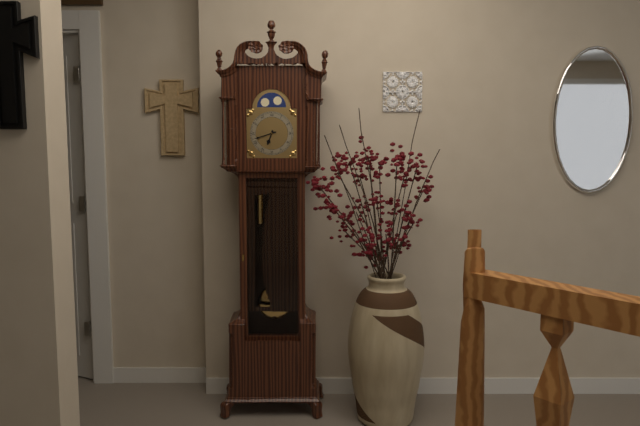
6:42
